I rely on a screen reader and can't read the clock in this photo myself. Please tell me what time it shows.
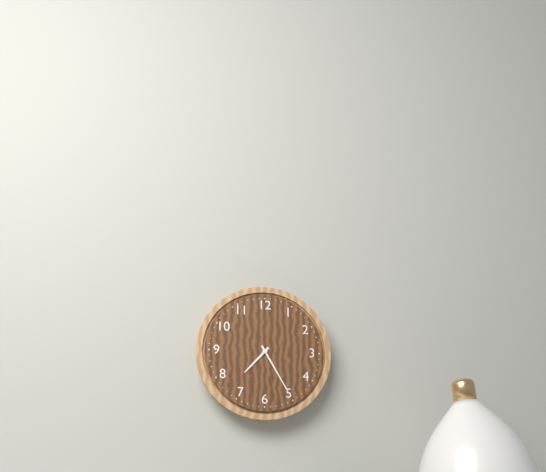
7:25
